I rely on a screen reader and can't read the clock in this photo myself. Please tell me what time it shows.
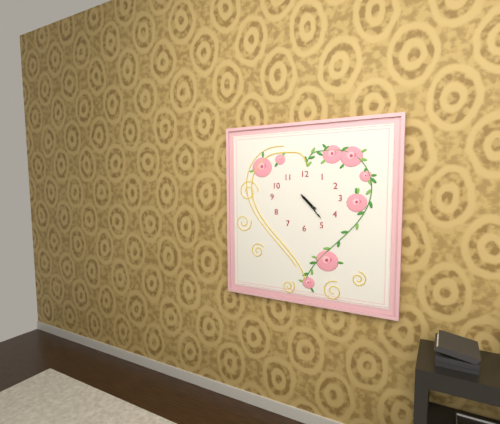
4:23
